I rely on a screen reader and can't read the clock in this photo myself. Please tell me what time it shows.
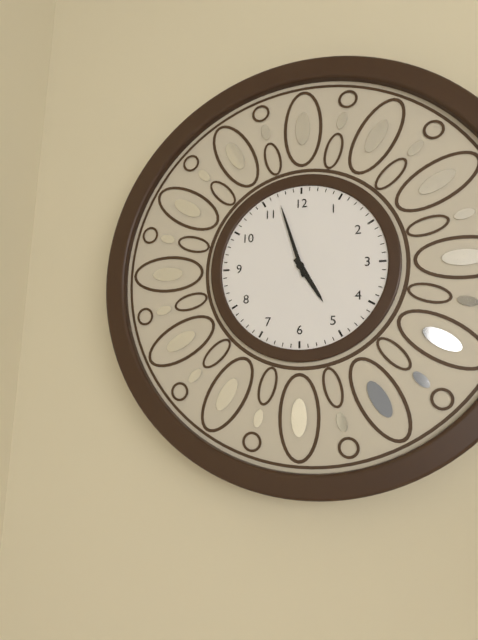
4:57
